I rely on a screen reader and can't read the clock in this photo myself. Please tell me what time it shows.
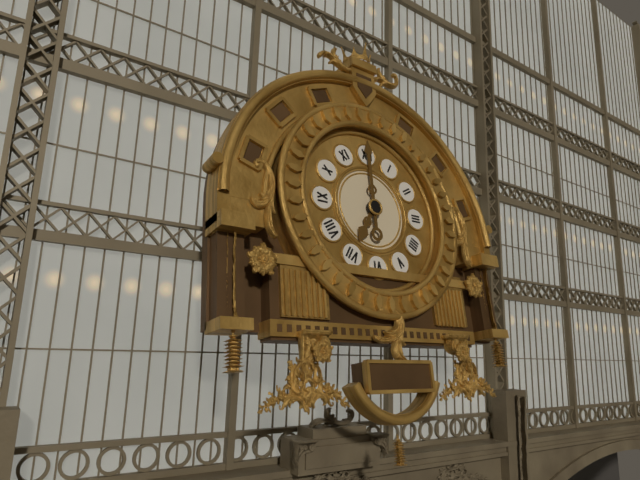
7:00
